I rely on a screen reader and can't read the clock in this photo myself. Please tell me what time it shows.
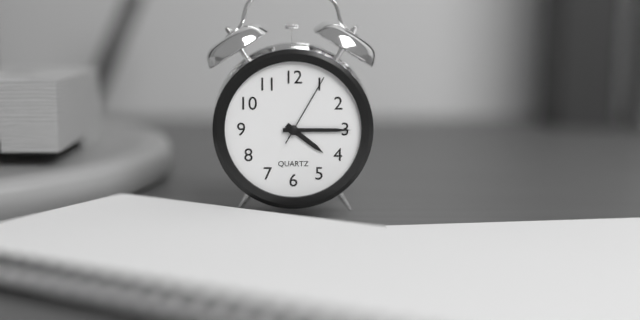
4:15:05
